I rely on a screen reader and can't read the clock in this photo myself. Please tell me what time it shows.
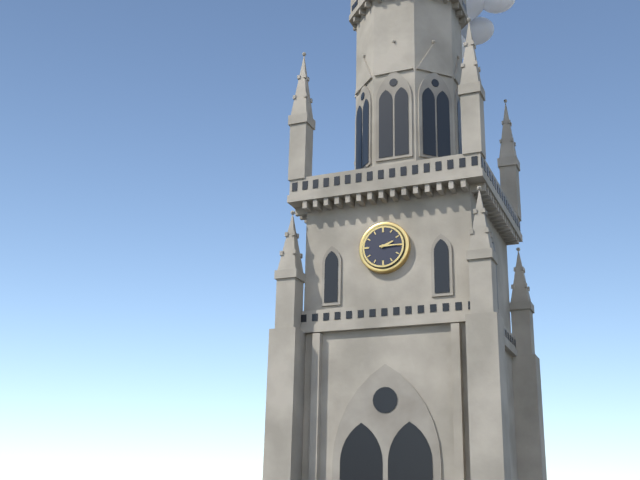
2:15
